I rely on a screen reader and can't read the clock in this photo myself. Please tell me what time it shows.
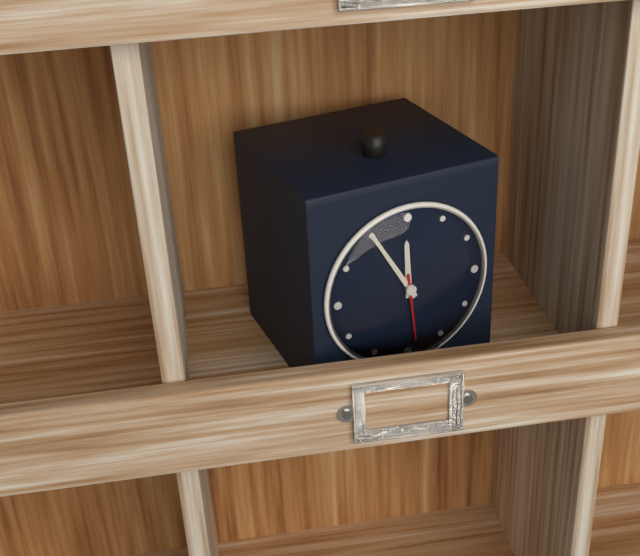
11:55:29
